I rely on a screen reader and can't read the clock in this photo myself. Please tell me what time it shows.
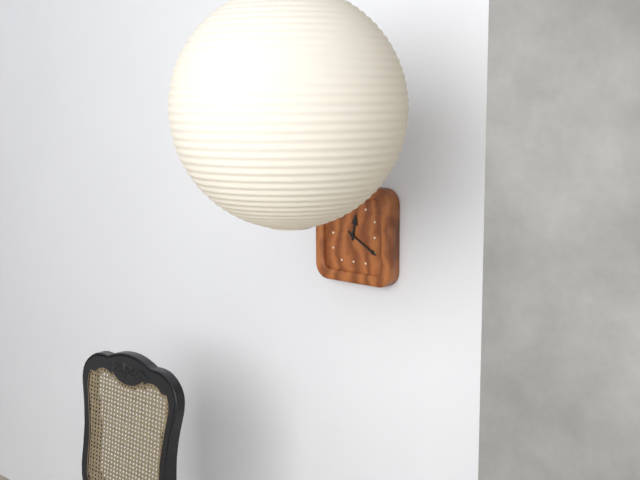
12:20
